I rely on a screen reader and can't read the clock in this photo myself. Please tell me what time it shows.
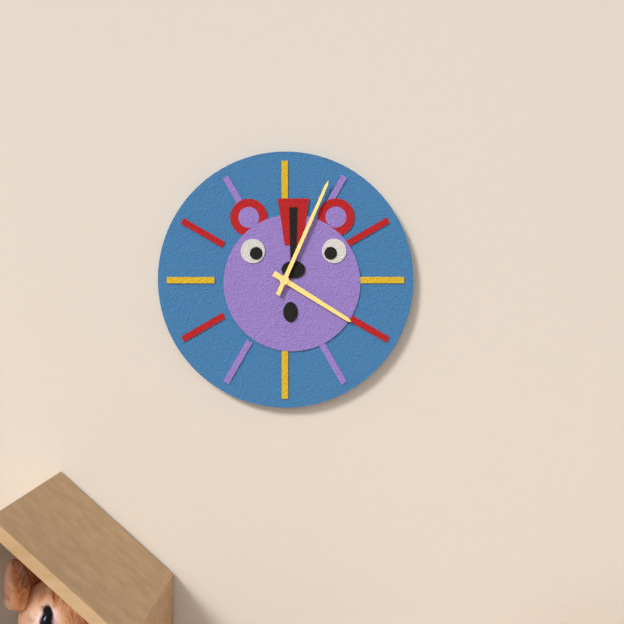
4:04
